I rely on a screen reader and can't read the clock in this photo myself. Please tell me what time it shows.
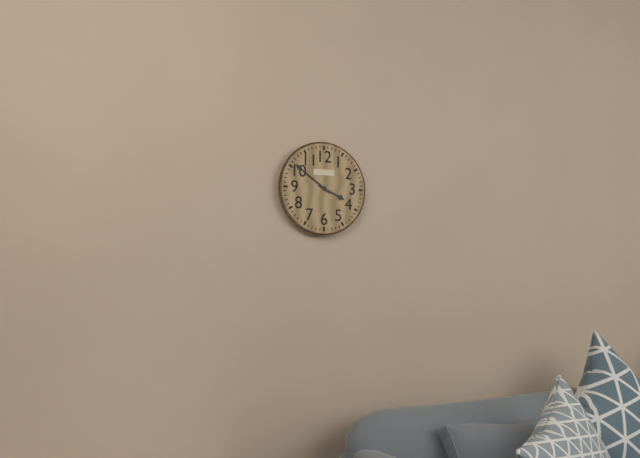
3:51
